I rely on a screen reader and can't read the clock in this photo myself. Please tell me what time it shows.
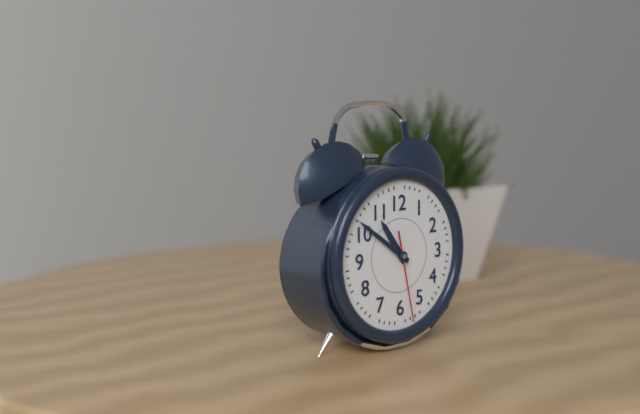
10:51:28
